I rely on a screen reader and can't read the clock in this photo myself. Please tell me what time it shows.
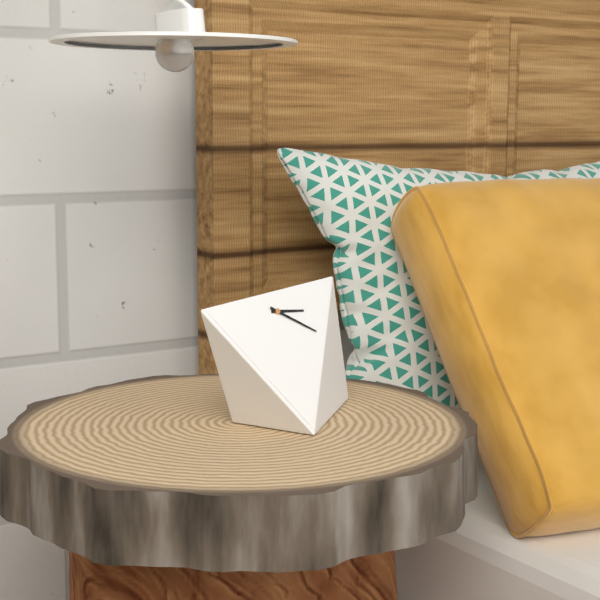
3:21
